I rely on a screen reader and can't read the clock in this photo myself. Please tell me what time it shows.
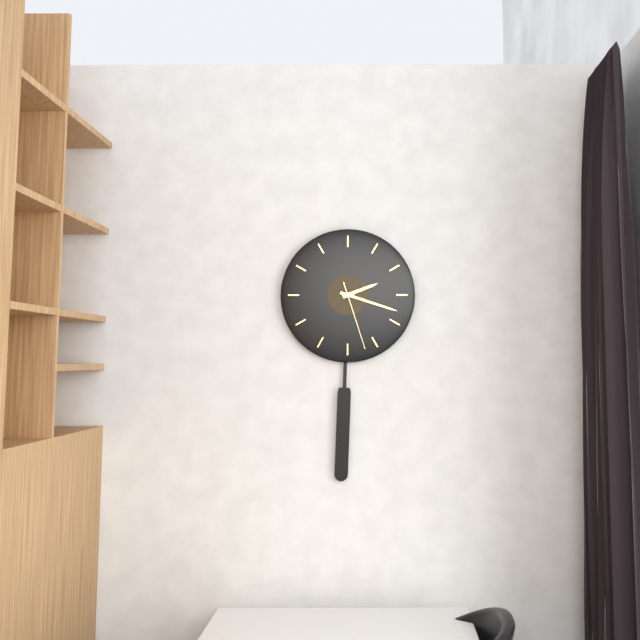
2:18:27
